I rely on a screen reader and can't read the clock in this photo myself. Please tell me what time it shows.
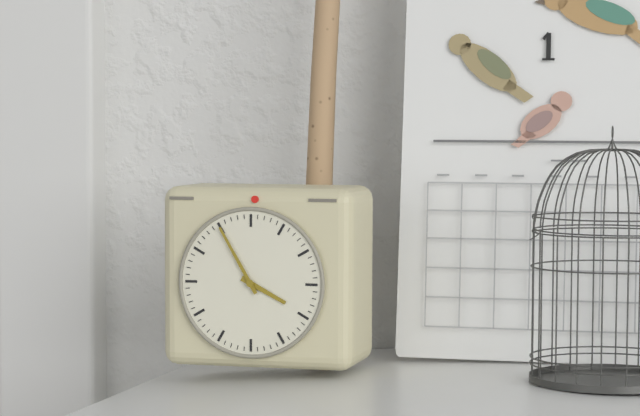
3:55
